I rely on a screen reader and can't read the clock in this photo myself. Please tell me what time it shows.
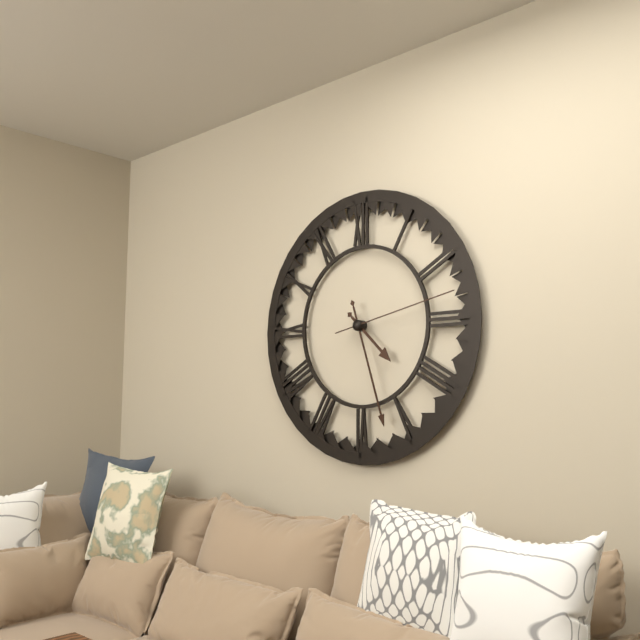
4:27:13
